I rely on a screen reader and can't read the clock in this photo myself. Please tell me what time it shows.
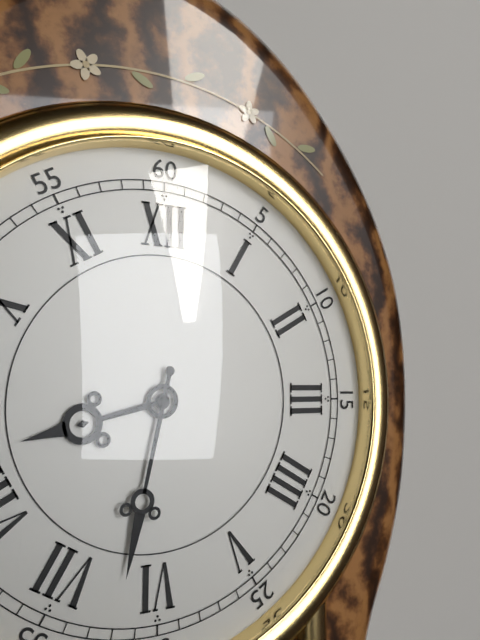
8:32
